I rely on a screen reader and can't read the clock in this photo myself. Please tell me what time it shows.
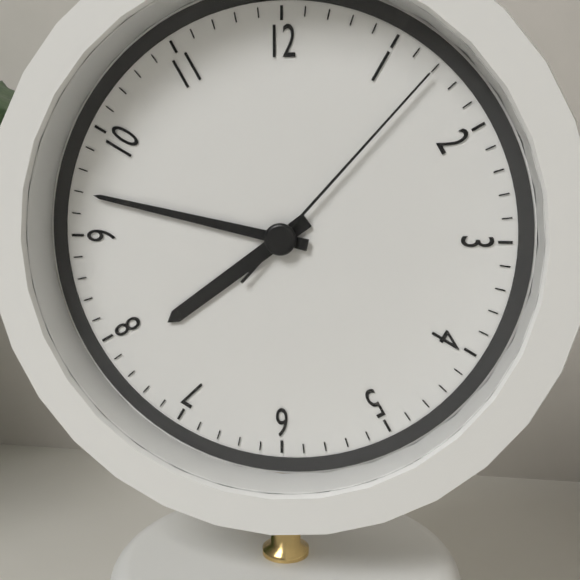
7:47:07
